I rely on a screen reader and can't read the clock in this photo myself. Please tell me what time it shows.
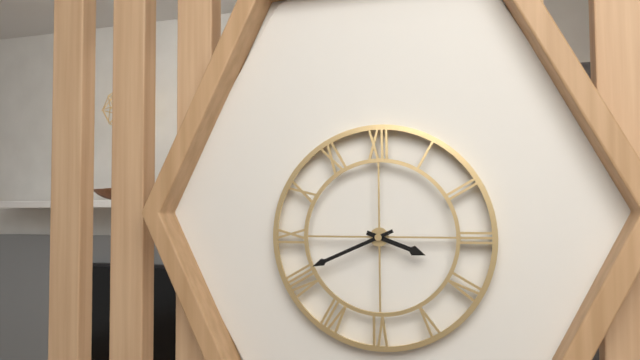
3:41
